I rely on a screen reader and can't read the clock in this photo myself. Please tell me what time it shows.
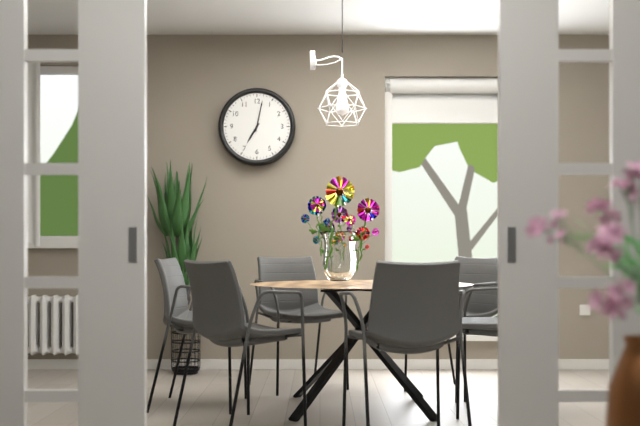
7:02
